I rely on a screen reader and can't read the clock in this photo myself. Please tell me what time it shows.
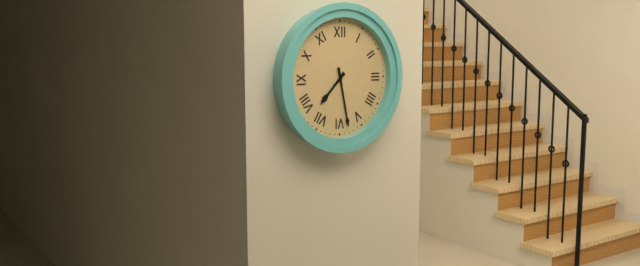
7:28
